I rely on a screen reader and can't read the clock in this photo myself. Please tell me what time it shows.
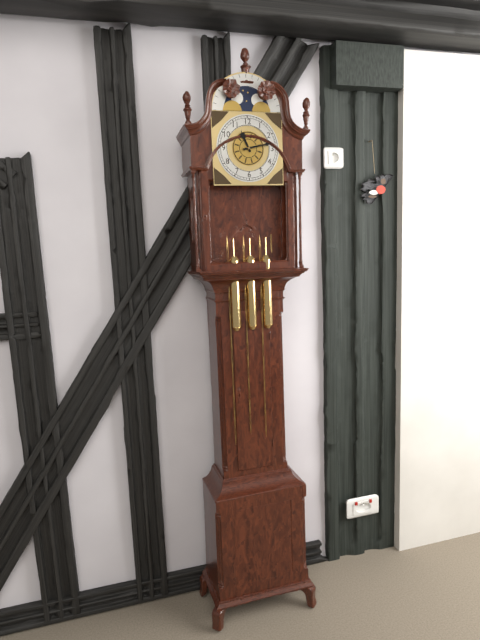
11:13
